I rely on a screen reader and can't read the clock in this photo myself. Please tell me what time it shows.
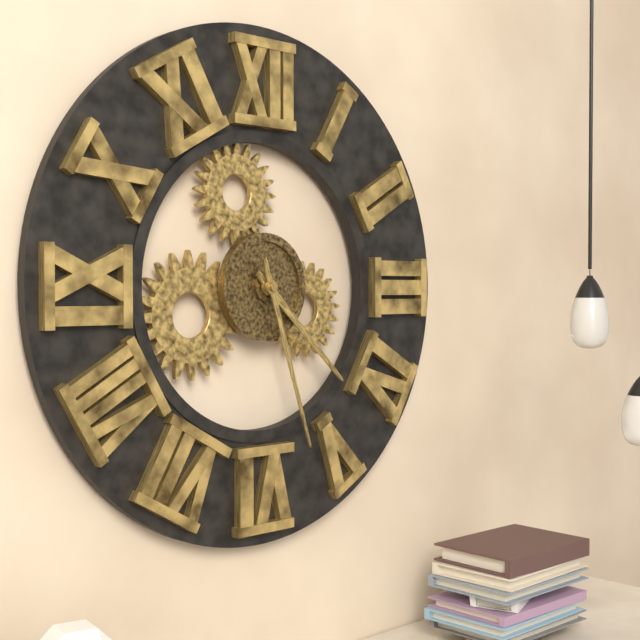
4:27
